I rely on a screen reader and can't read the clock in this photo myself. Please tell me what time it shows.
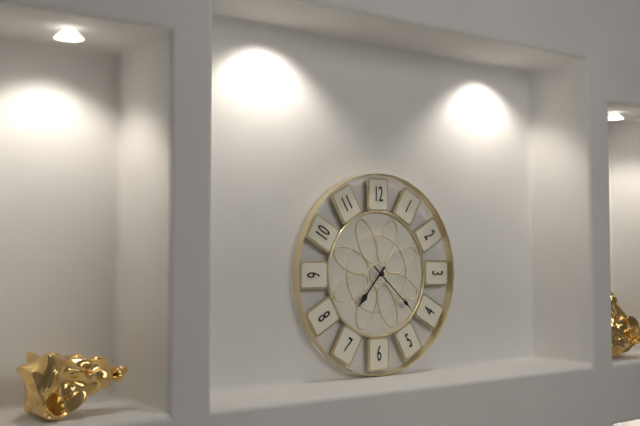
7:22
